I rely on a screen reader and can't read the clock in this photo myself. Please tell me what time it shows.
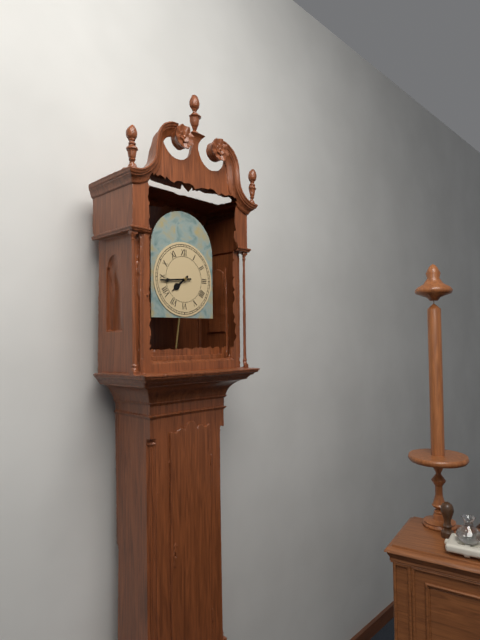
7:44
